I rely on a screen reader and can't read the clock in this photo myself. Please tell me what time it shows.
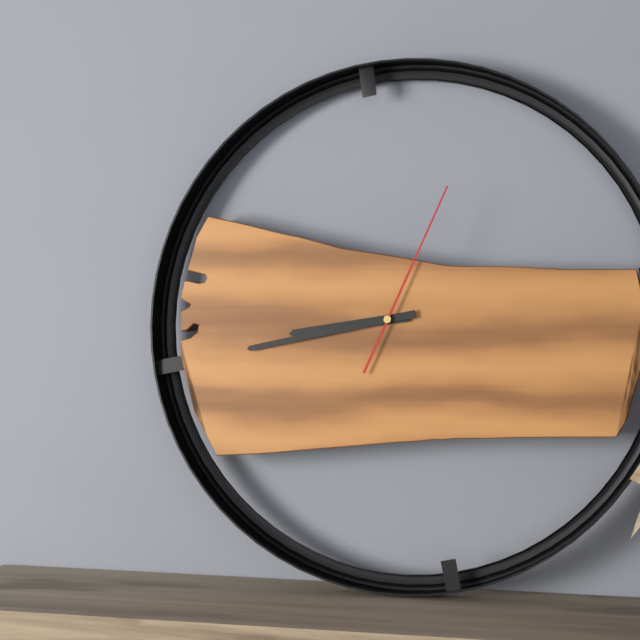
8:43:04
